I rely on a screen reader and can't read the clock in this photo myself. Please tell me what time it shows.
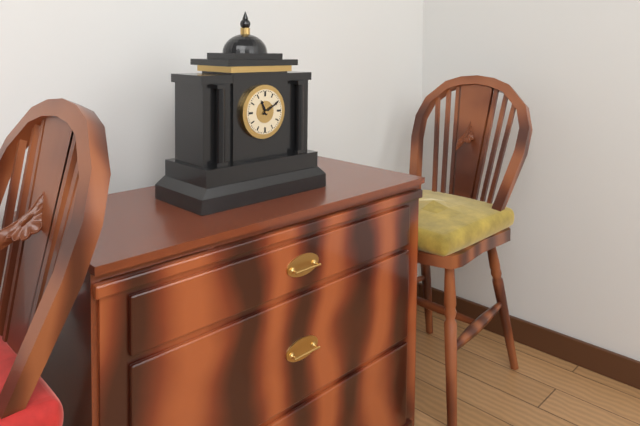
11:10
